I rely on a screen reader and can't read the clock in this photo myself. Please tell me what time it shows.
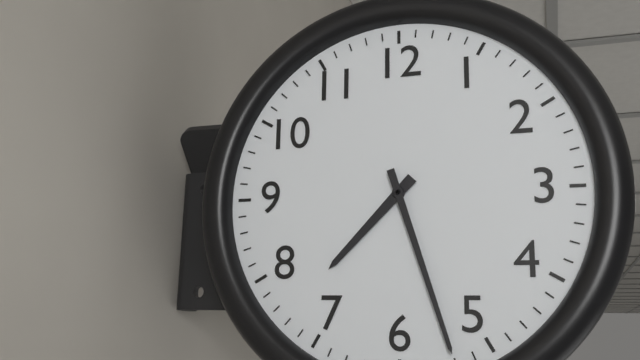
7:27
